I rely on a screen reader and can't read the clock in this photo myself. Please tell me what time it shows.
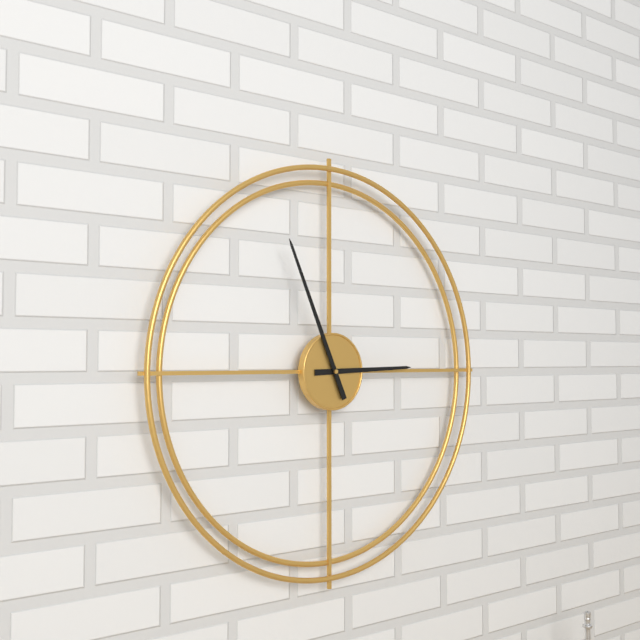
2:56
